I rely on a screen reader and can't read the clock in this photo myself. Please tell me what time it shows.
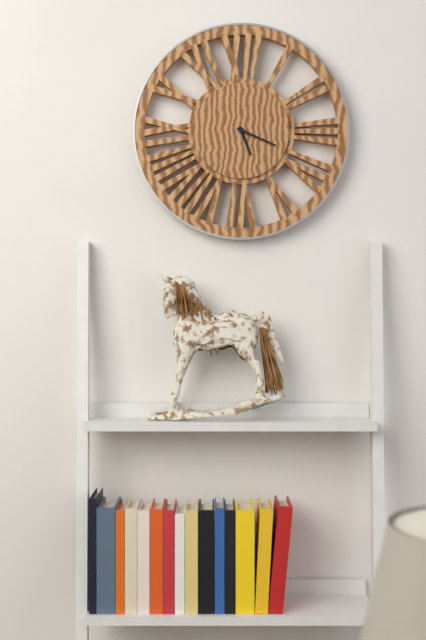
5:19
